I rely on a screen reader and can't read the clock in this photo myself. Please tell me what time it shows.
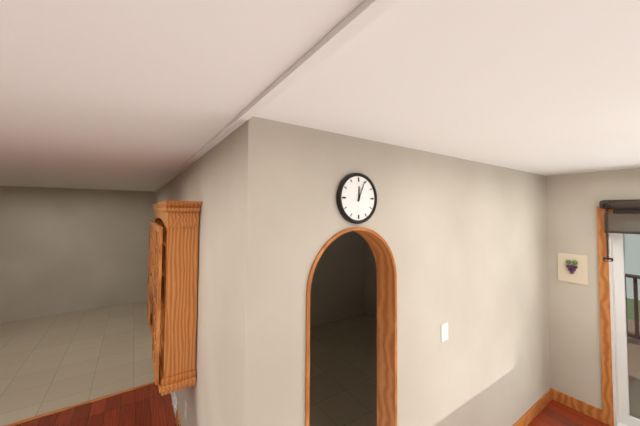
12:04
